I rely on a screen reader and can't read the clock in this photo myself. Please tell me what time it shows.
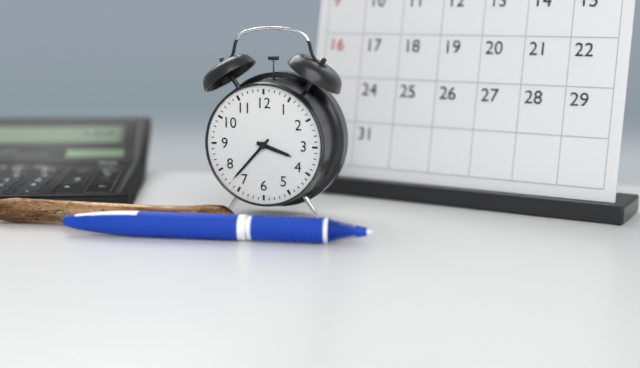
3:37
